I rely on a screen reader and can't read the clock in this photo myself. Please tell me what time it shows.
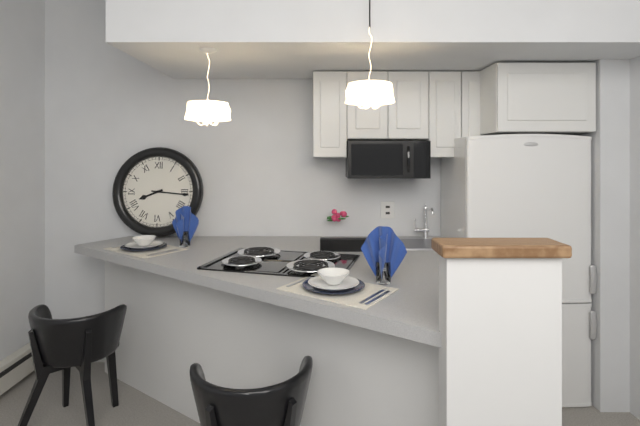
8:16
